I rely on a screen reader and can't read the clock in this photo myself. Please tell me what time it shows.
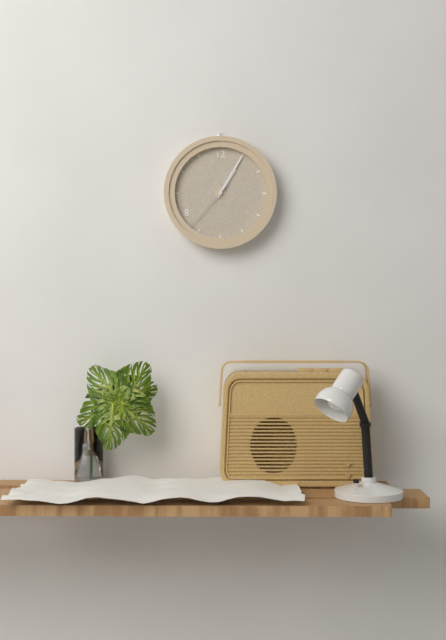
1:05:37
